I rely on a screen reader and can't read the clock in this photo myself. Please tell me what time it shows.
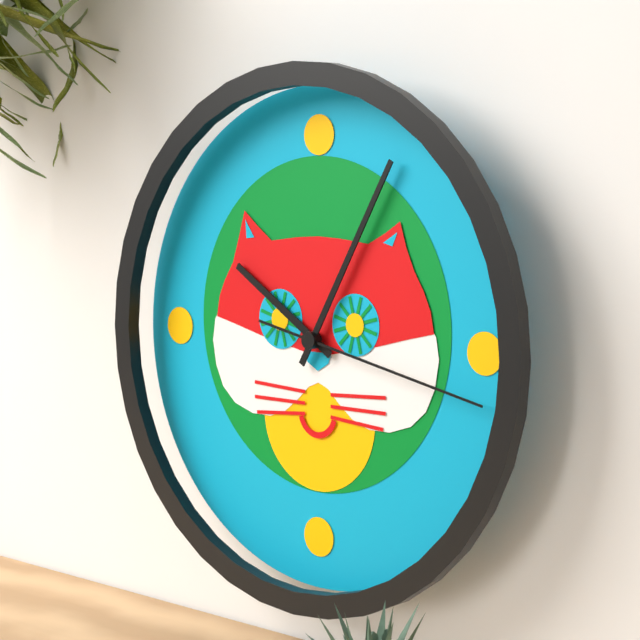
10:05:17
